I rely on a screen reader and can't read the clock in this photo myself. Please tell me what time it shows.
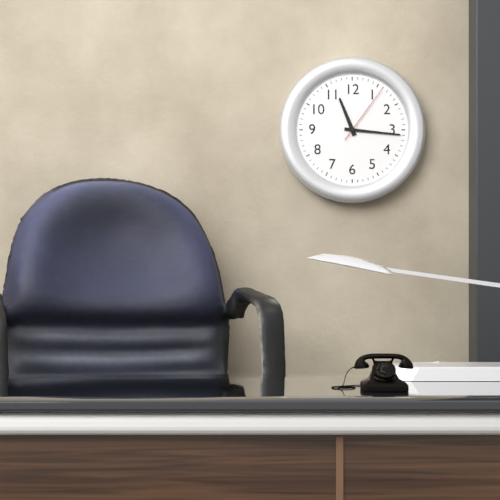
11:16:06
